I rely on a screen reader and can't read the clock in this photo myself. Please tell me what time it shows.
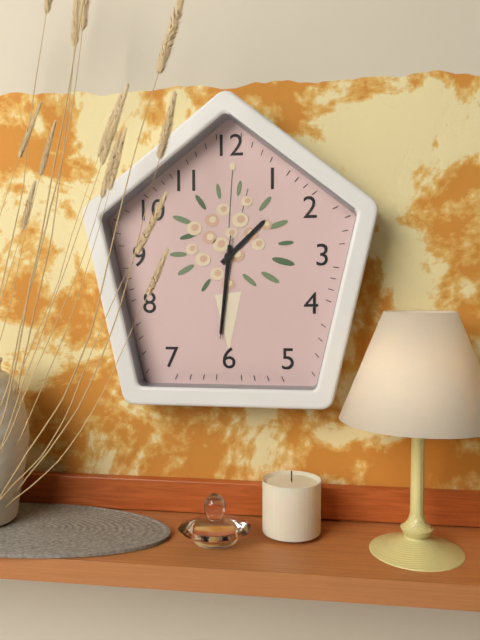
1:31:31
